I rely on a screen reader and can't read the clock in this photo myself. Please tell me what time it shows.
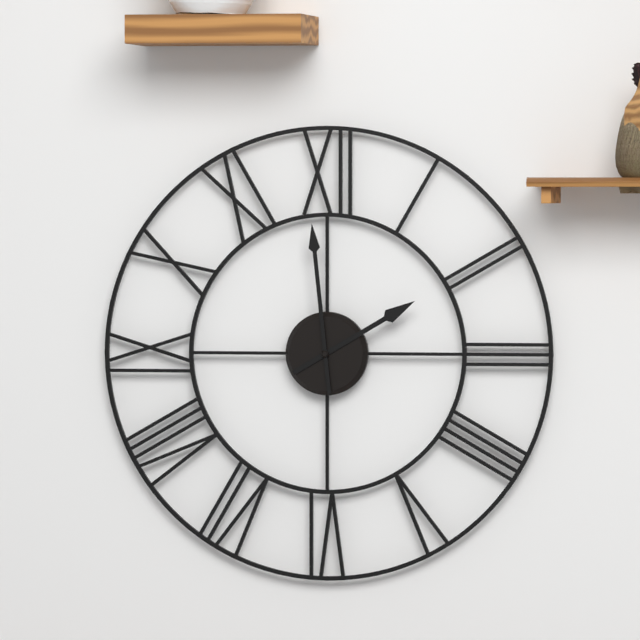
1:59
